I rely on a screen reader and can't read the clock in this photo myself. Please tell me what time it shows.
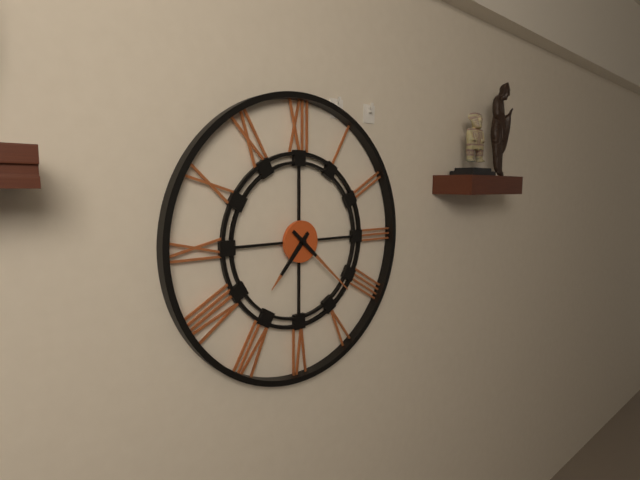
7:22
